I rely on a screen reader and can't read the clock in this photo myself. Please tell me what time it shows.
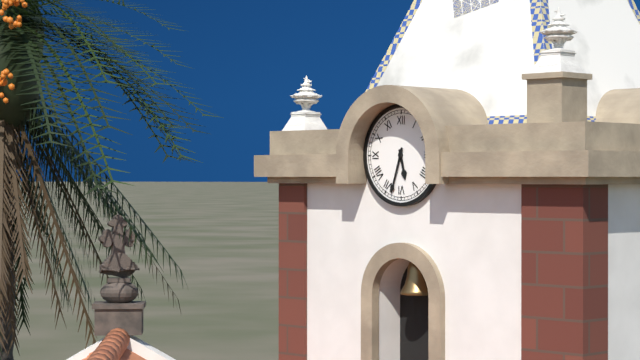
5:33
